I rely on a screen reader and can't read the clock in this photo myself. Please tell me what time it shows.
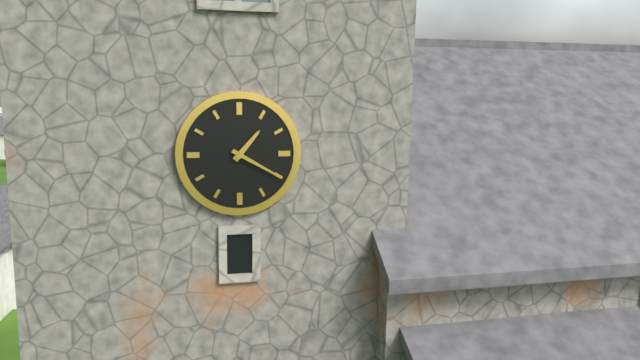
1:20
